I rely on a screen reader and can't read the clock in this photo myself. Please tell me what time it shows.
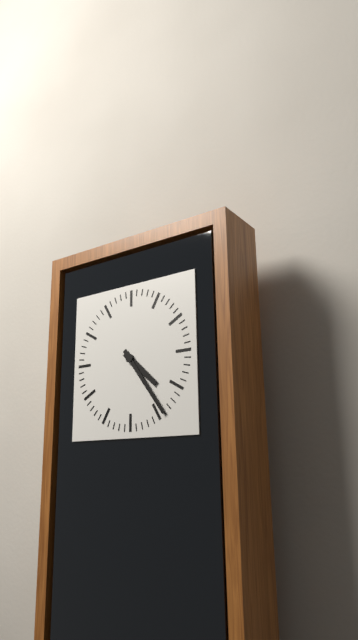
4:24
